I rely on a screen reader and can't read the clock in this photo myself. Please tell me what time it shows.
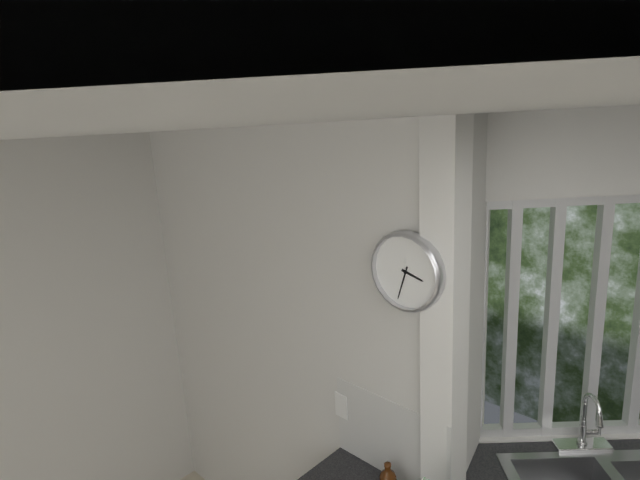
3:33
